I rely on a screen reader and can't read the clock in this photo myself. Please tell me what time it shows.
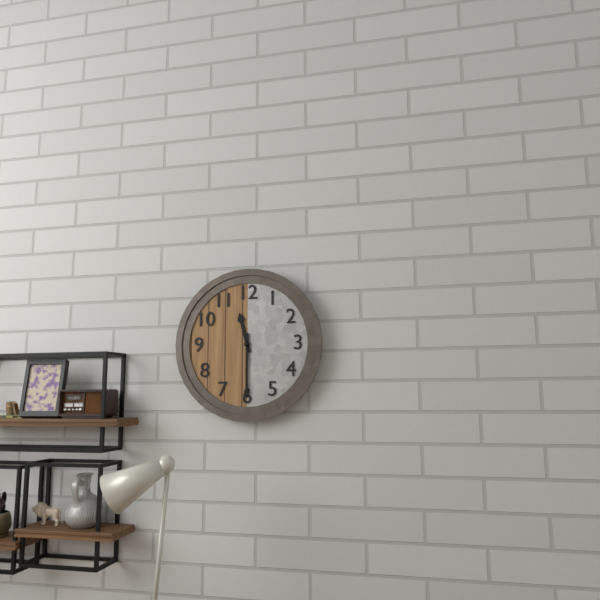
11:30
